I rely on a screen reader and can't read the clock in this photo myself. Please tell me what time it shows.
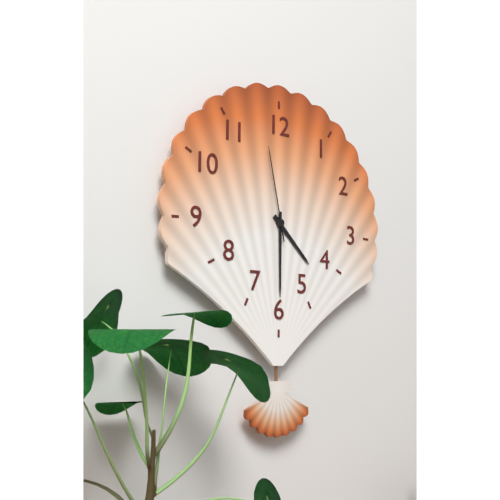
4:30:58
